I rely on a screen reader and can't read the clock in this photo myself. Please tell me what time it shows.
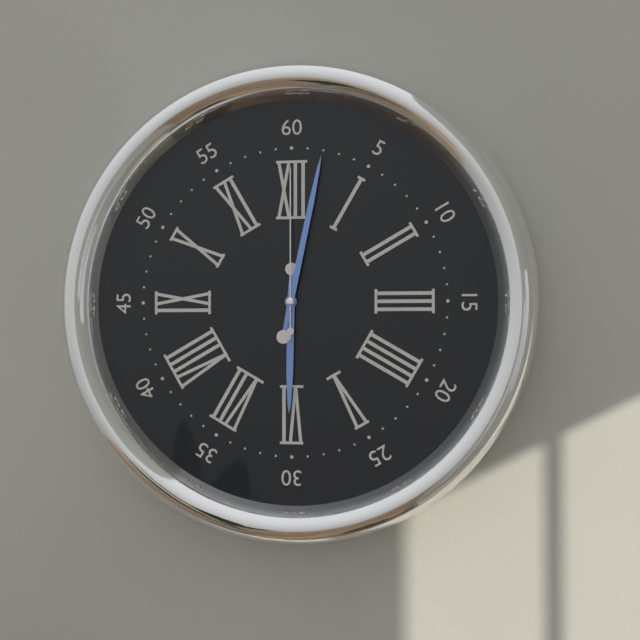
6:02:00
